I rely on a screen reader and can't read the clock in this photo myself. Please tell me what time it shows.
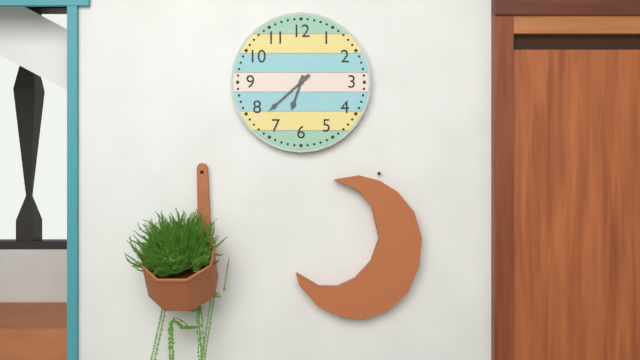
6:38
